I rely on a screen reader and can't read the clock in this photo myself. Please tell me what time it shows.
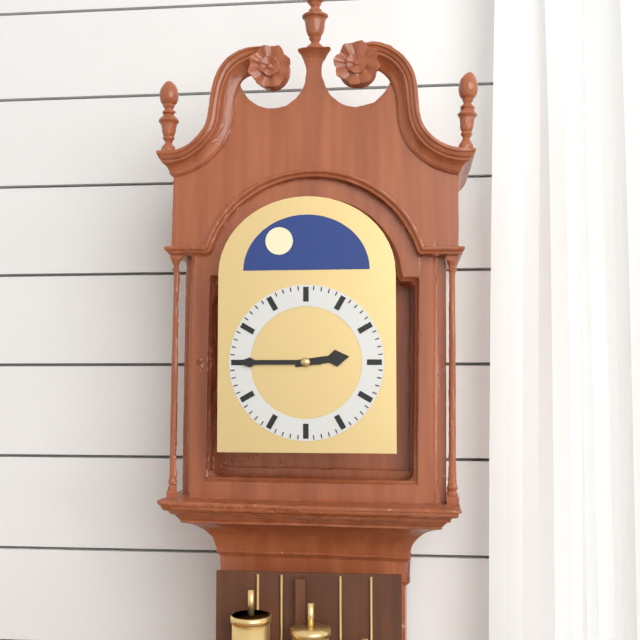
2:45
